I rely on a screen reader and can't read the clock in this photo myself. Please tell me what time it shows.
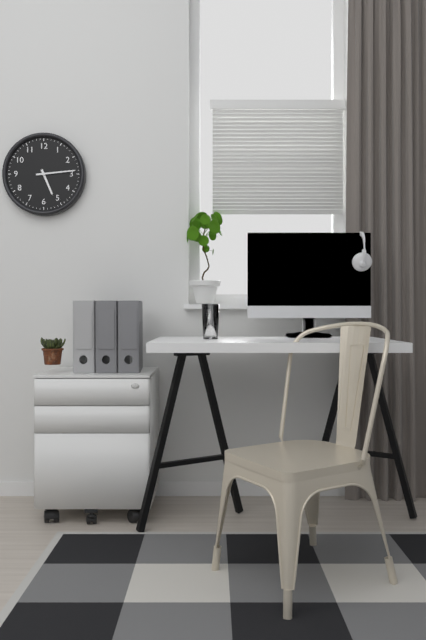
5:14
